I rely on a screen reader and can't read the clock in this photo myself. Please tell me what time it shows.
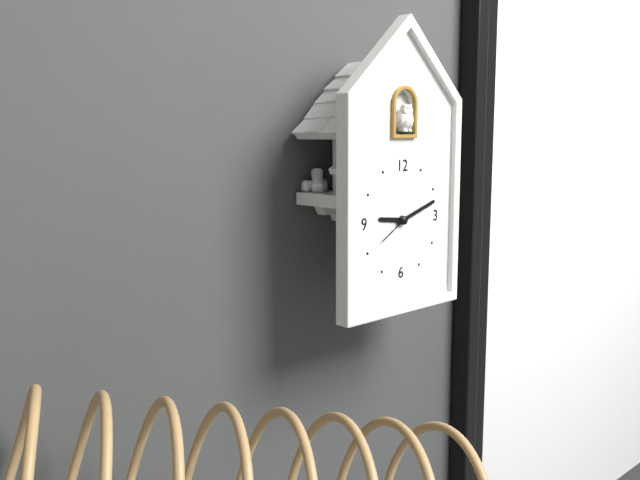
9:12:40
